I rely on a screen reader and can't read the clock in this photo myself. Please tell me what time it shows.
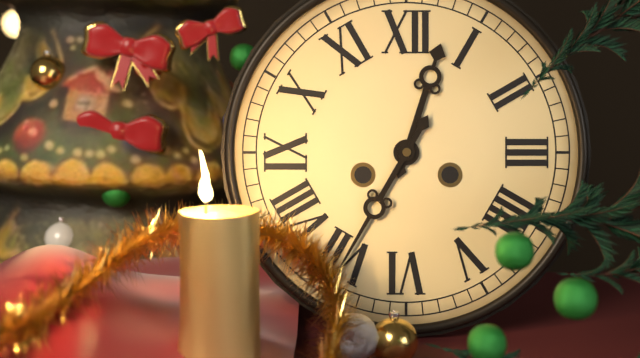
12:35
